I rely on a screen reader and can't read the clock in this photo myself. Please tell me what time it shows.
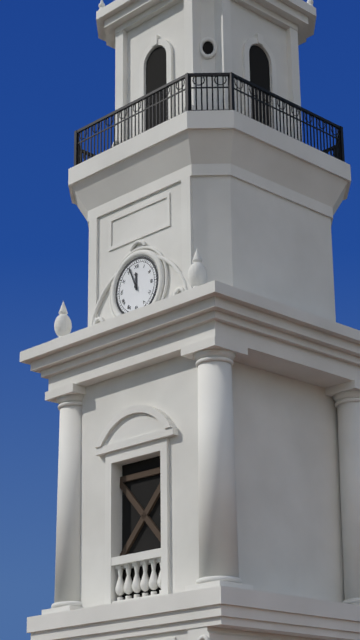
11:56
